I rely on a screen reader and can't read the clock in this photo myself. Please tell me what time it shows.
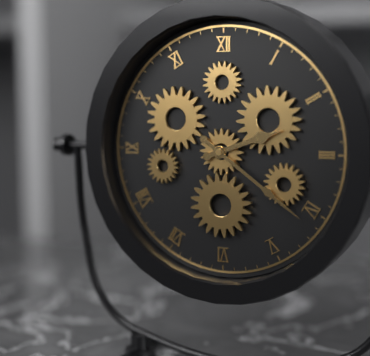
2:21
